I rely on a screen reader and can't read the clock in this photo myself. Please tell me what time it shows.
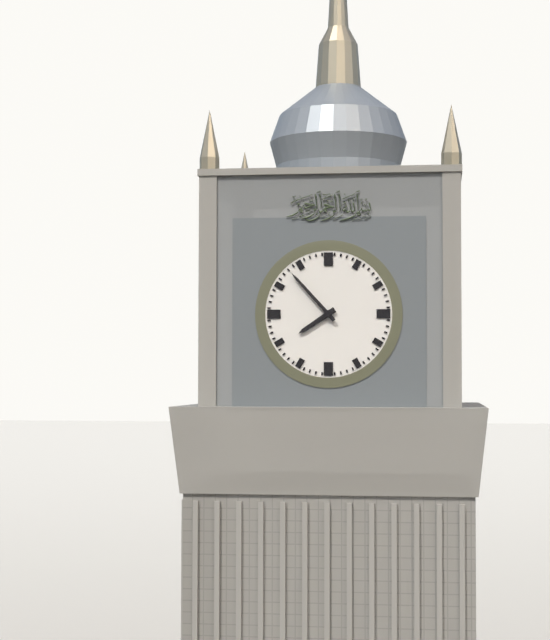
7:53
